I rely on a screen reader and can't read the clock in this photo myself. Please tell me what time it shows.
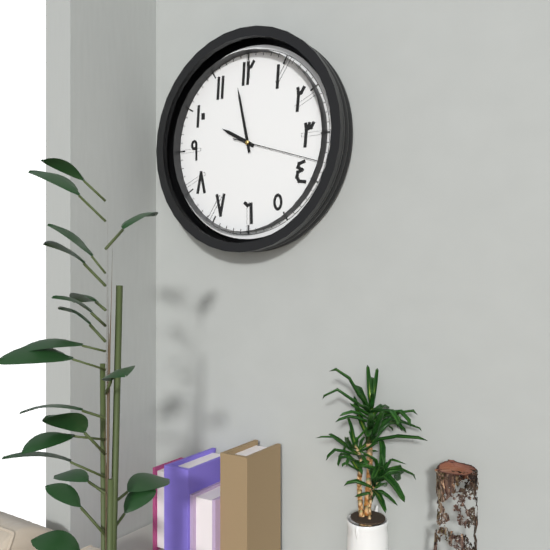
9:58:18
